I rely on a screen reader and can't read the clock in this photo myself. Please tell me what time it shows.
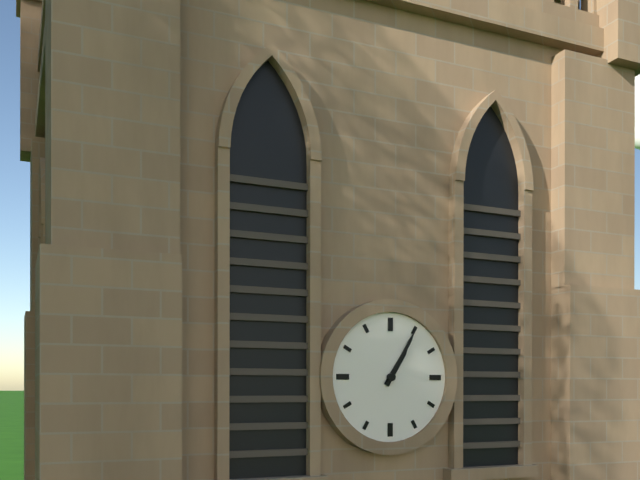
1:05
